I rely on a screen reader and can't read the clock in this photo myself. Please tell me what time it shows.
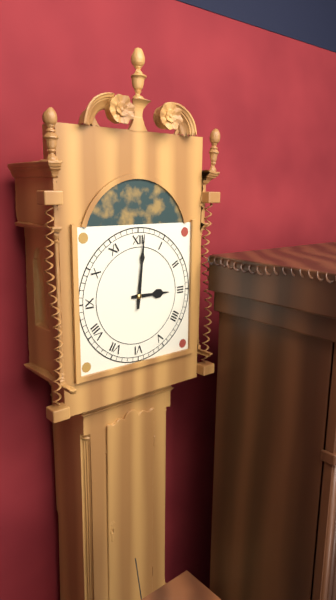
3:01
